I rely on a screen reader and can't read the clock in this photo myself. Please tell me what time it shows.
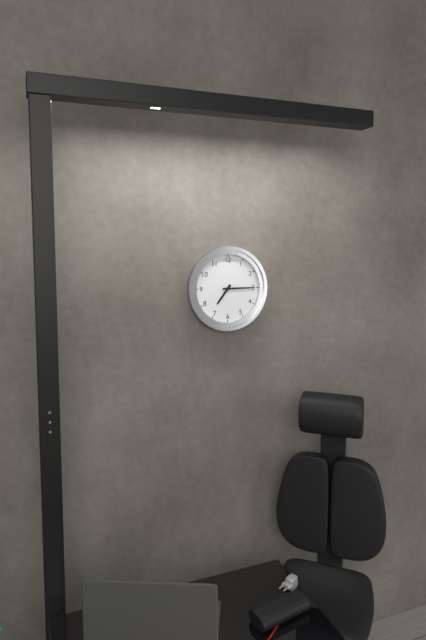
7:15
